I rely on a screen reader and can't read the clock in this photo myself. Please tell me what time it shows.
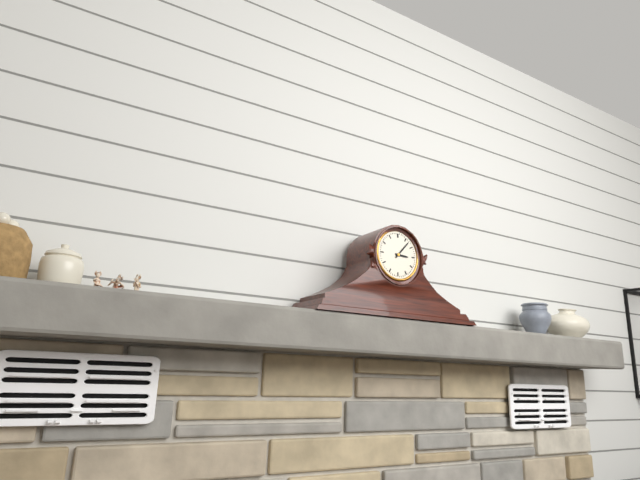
3:07
